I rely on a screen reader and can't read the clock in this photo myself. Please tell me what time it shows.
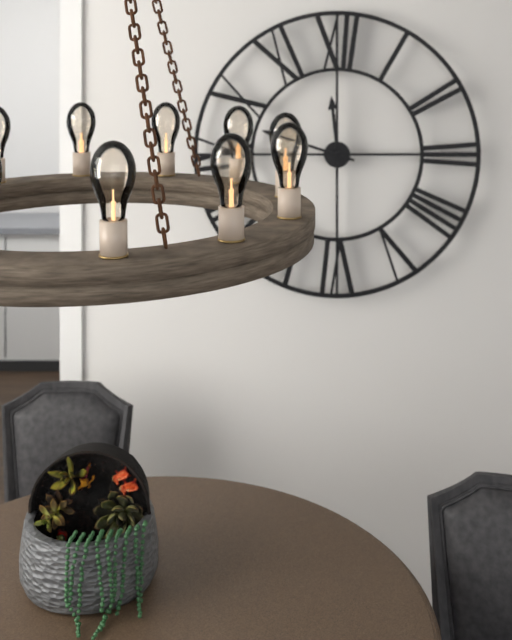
11:48
